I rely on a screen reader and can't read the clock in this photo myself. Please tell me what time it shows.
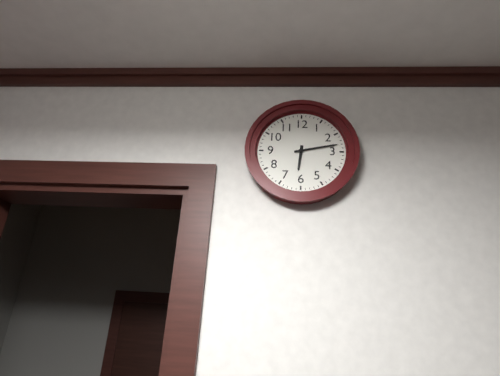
6:13
